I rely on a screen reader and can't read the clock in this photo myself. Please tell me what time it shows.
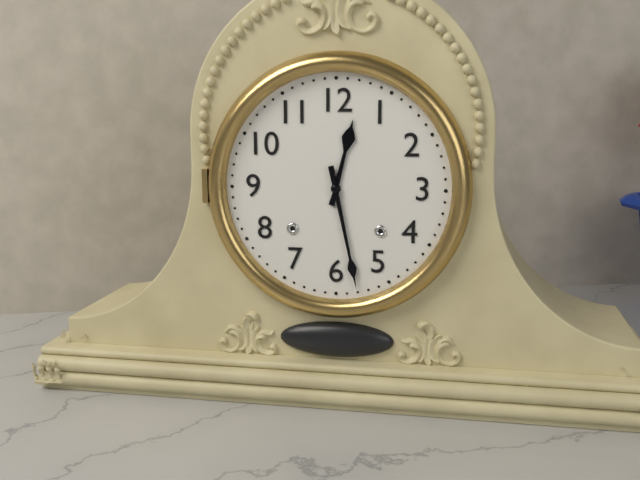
12:28
